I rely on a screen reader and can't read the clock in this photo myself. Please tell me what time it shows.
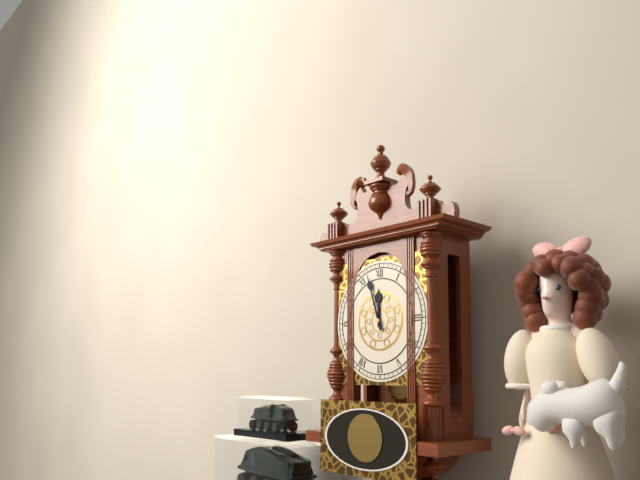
11:57
